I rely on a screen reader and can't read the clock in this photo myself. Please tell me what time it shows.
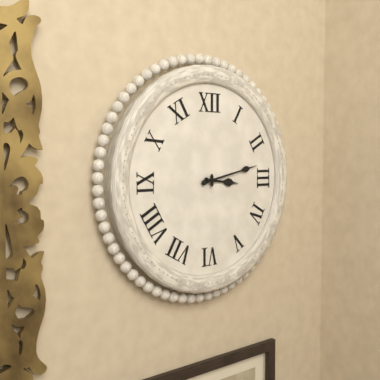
3:13
